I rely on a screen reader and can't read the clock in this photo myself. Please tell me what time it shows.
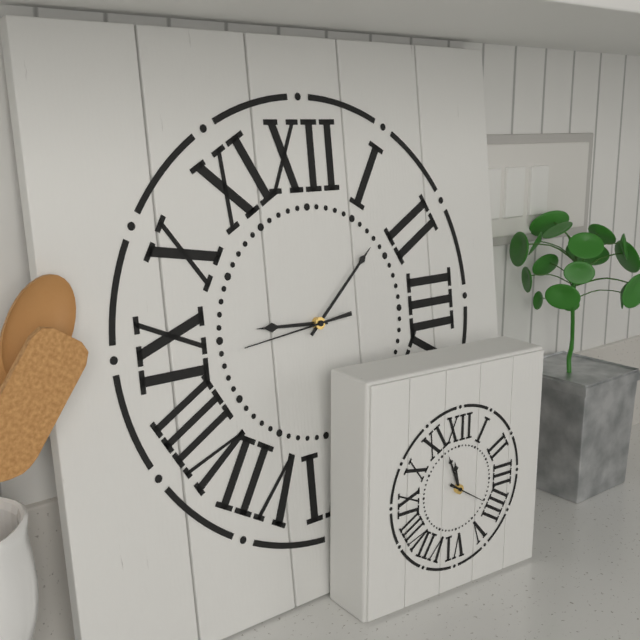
9:08:44
